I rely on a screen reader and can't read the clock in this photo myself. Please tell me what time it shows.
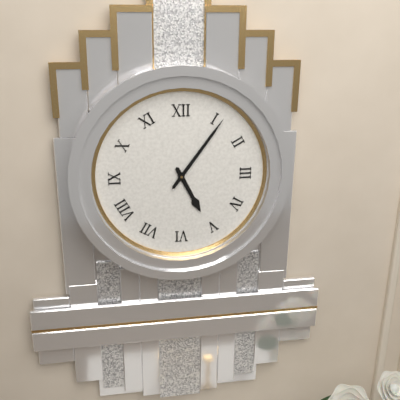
5:06
